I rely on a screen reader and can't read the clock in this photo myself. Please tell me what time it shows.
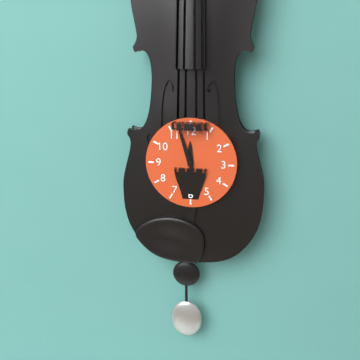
11:57
